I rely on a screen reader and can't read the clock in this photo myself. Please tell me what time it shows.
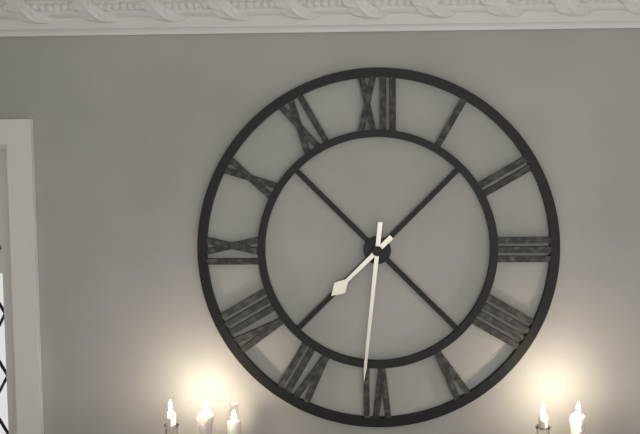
7:31
